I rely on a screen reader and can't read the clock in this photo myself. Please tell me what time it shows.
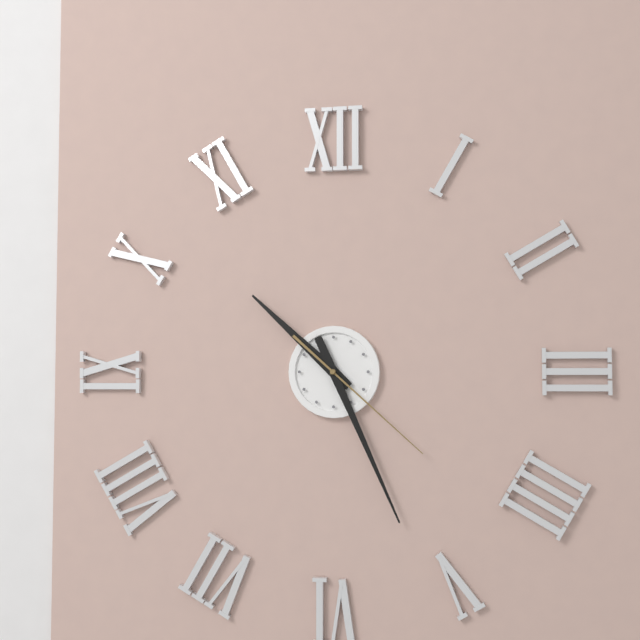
10:26:22
